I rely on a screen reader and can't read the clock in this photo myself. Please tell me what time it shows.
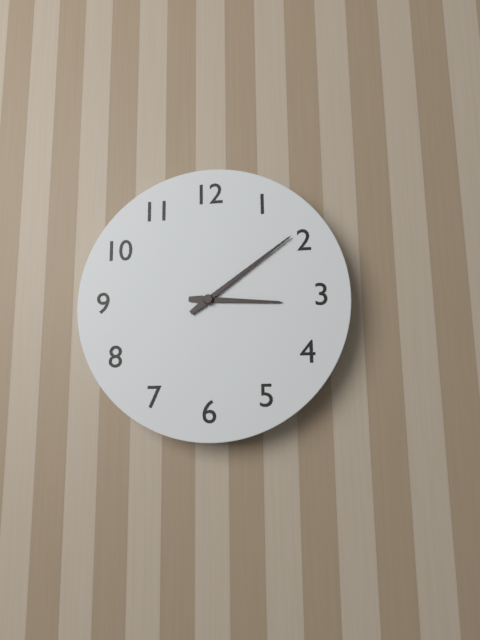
3:09
